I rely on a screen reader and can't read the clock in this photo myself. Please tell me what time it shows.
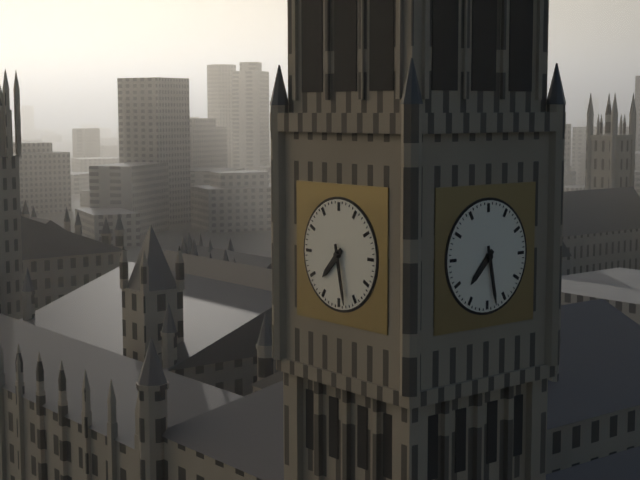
7:28
